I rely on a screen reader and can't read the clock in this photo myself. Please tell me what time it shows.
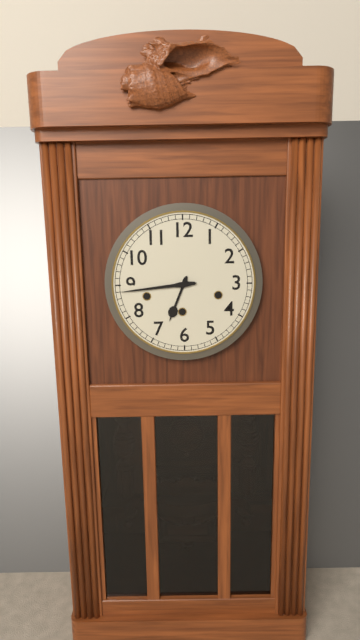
6:44
